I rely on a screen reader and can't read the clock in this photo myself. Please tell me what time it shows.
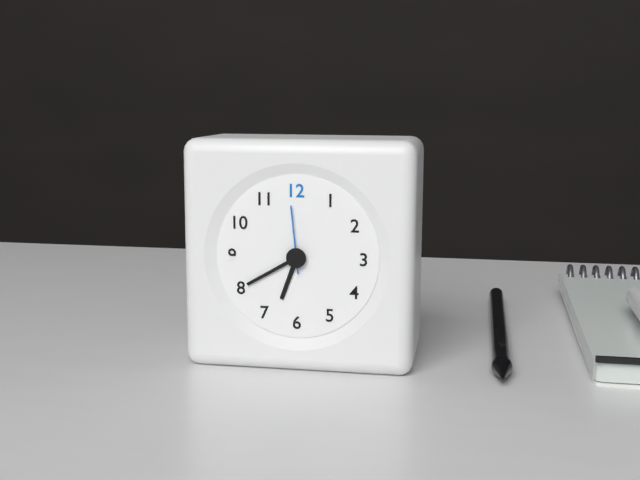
6:40:59
